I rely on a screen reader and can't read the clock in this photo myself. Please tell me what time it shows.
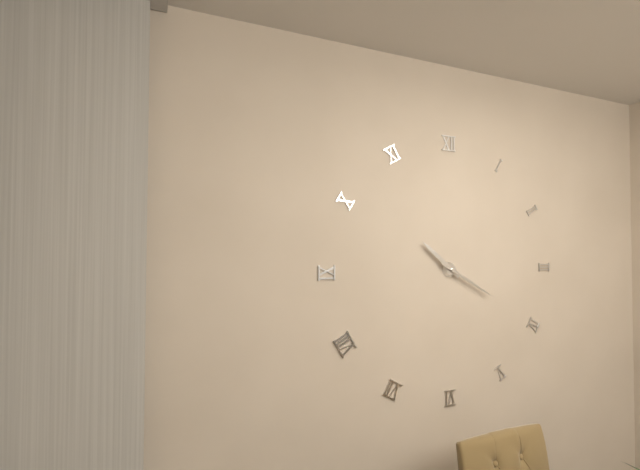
10:20
